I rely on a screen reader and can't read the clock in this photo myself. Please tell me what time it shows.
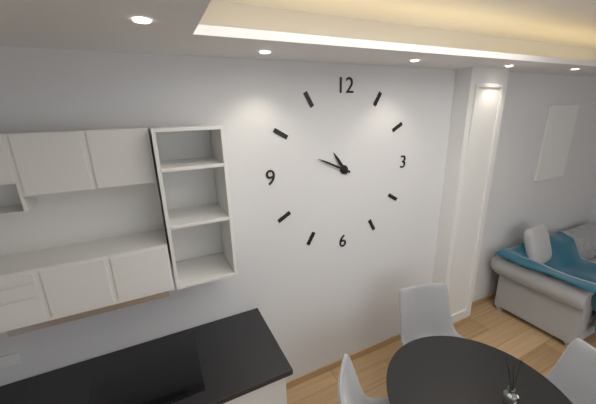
10:49
